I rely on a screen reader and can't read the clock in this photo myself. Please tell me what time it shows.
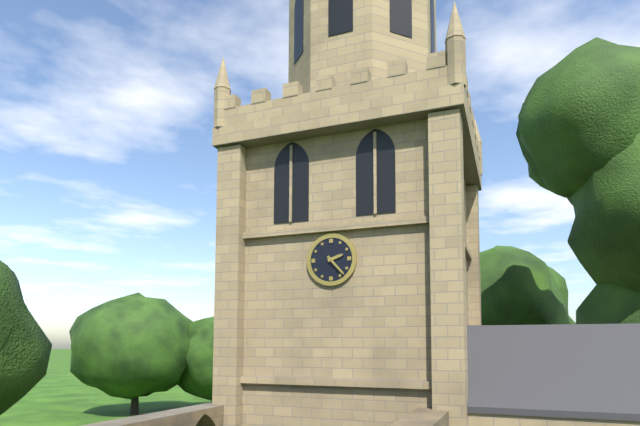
2:23
